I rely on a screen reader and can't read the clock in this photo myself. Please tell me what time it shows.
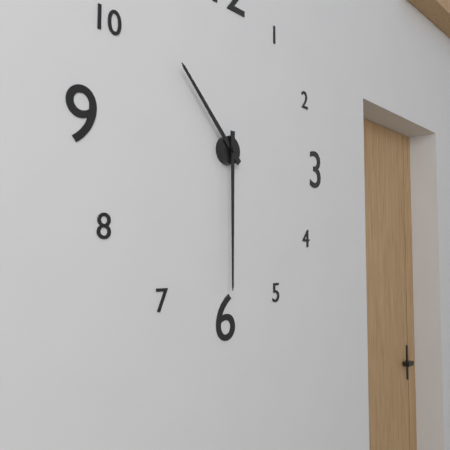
10:30
